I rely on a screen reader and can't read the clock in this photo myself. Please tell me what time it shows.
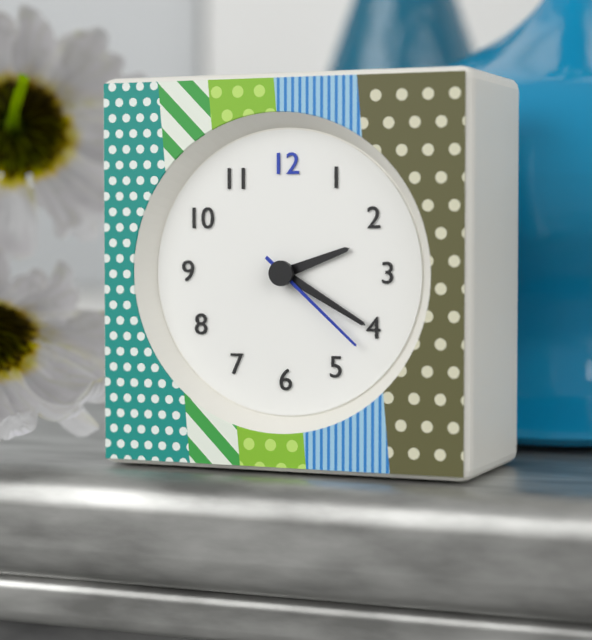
2:20:22
